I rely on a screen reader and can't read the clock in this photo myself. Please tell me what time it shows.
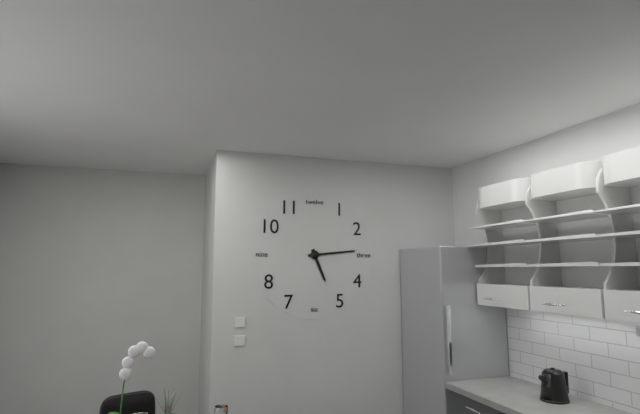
5:14
